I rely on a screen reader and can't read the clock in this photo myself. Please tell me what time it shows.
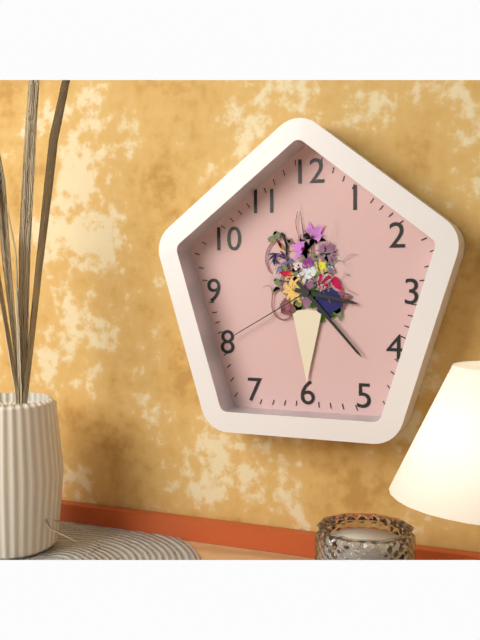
3:23:40
